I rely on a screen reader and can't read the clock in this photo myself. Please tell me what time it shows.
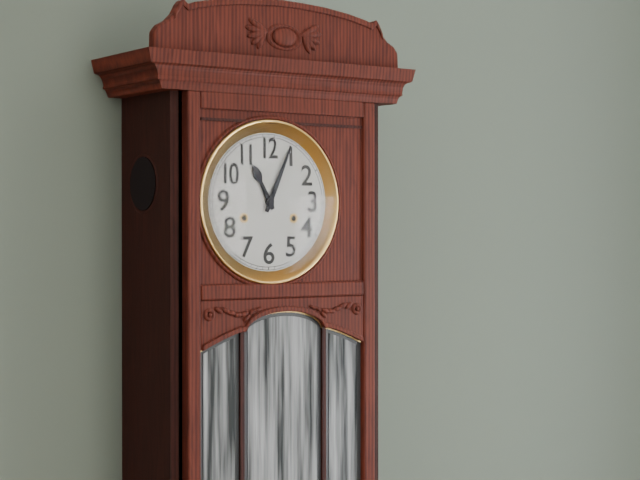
11:04
